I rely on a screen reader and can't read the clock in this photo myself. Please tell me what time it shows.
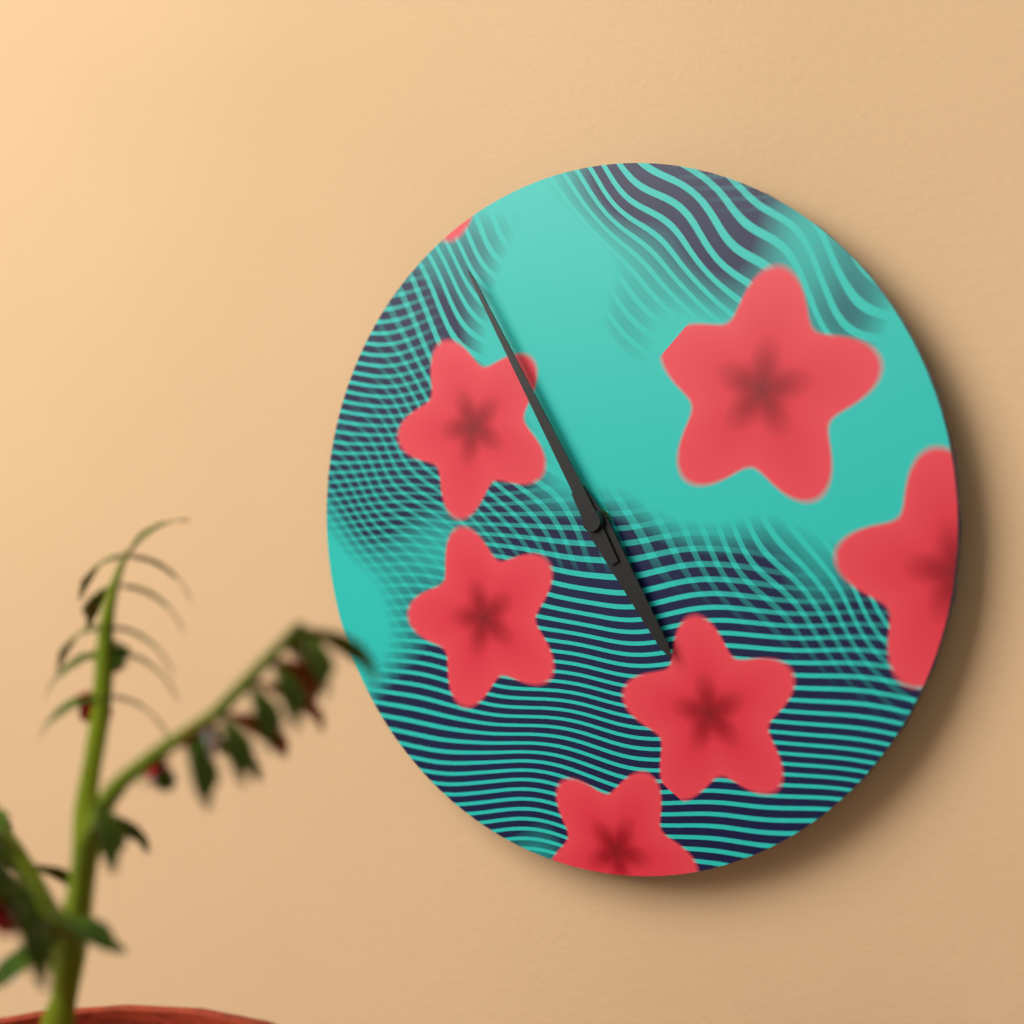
4:55
